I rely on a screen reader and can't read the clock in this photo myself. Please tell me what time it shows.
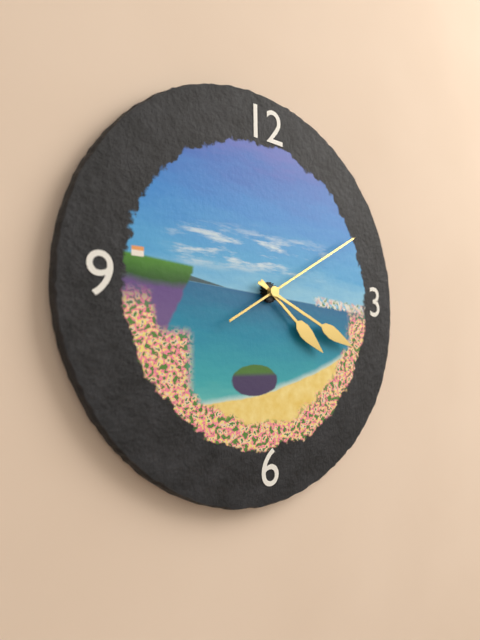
4:19:10
